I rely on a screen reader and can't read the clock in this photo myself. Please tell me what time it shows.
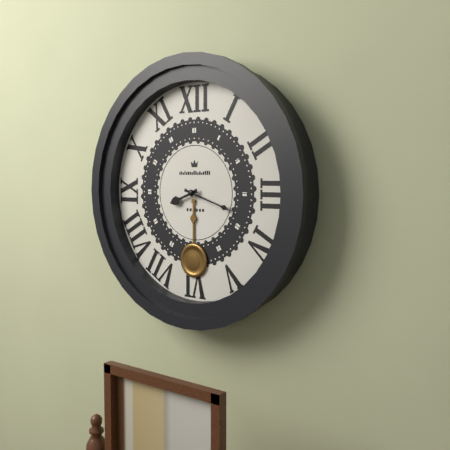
8:18
